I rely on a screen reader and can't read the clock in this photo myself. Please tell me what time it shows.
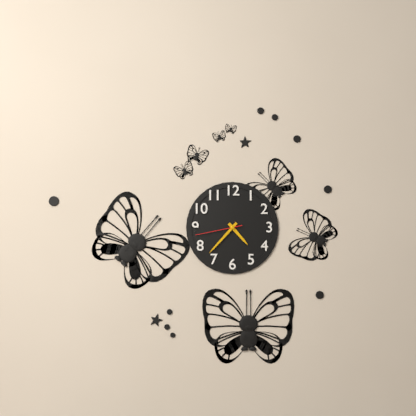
4:37
